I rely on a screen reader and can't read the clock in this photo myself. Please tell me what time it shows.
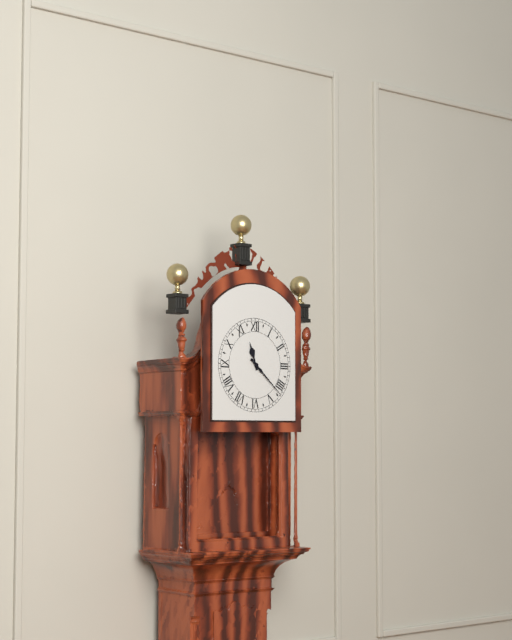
11:22
